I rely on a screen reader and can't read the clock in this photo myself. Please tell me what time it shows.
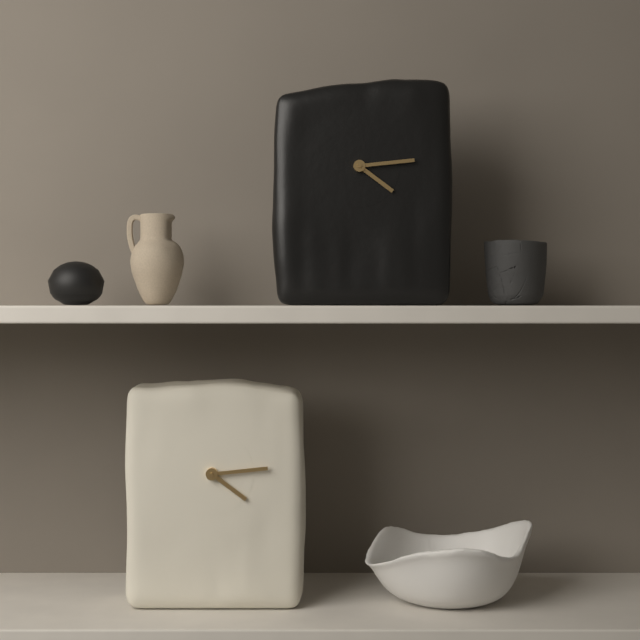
4:14
